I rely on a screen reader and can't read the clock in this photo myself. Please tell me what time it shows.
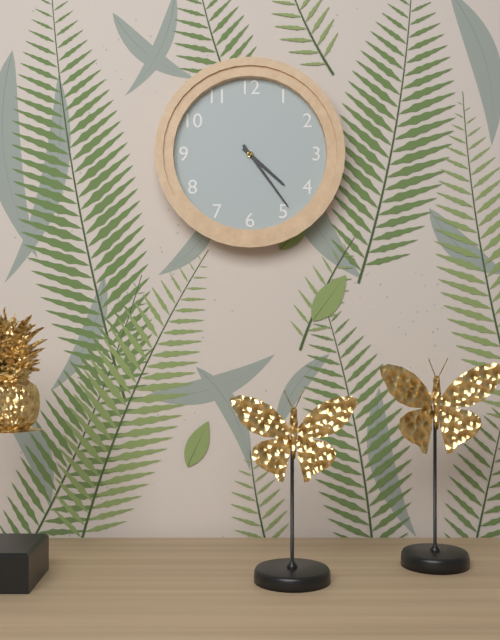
4:24
